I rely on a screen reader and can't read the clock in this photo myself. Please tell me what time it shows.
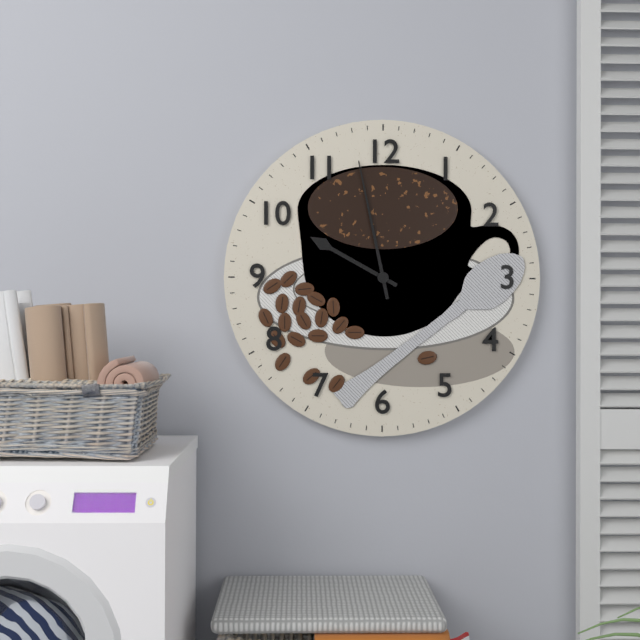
9:58
